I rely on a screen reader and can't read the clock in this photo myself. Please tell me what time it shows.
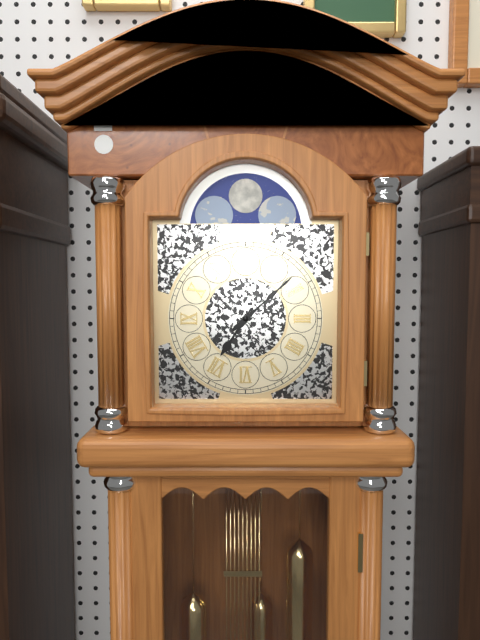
7:08
